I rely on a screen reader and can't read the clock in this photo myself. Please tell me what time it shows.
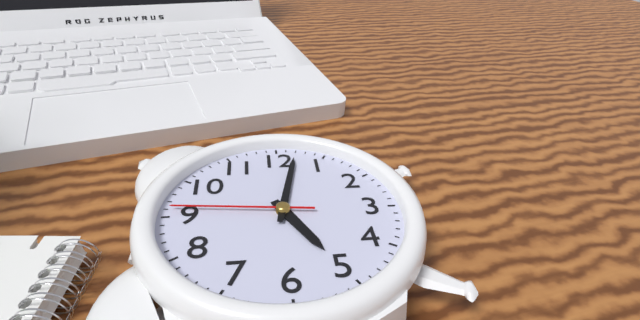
5:02:46
